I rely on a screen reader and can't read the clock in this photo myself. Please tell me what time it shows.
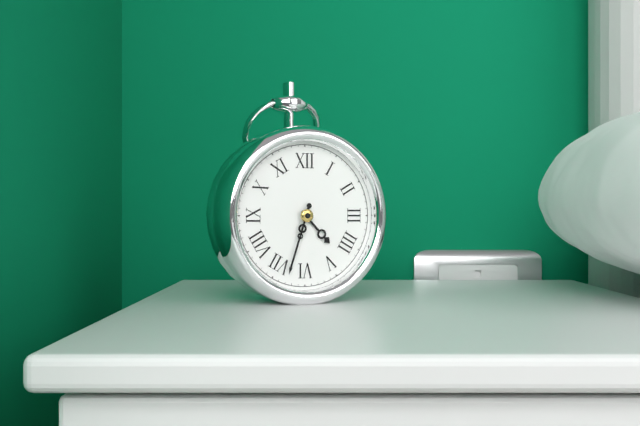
4:33
